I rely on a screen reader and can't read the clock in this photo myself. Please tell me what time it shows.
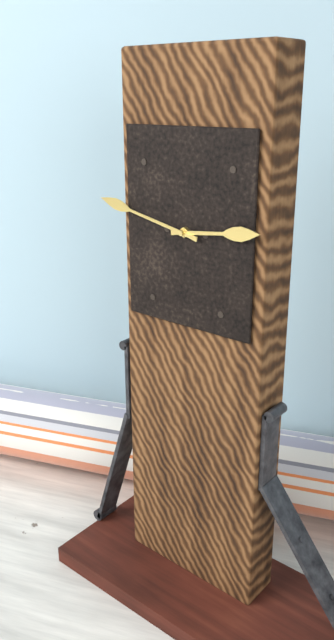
2:47
